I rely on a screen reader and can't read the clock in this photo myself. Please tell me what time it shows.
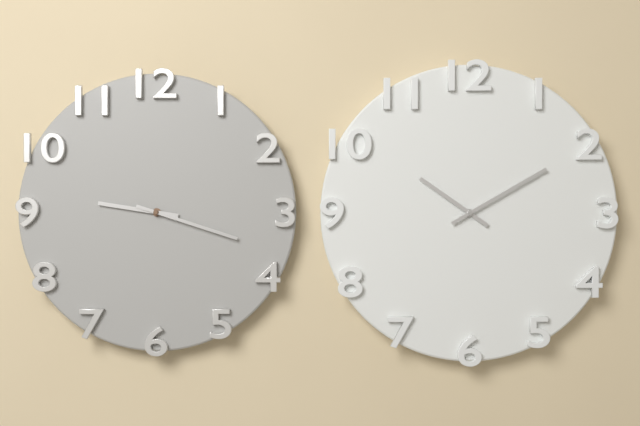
9:18
